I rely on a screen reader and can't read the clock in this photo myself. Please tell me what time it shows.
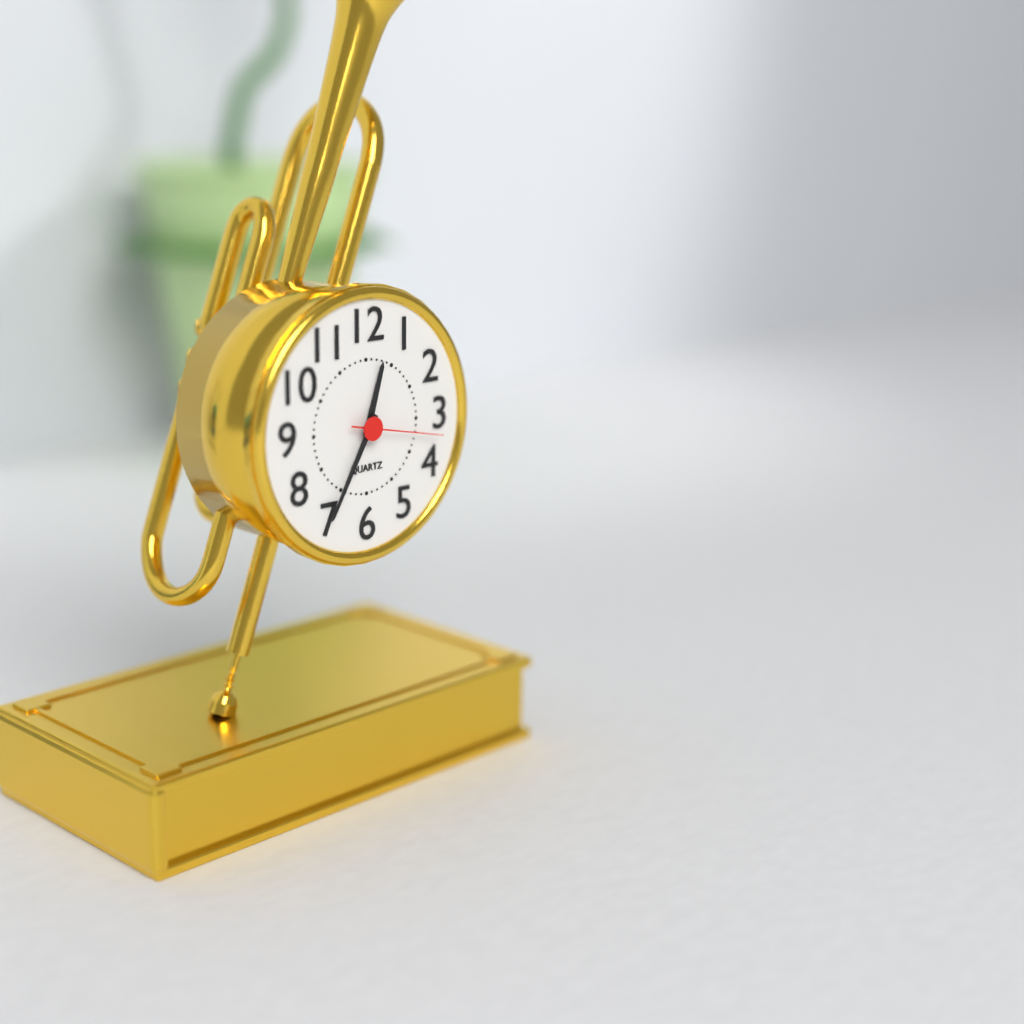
12:35:17
